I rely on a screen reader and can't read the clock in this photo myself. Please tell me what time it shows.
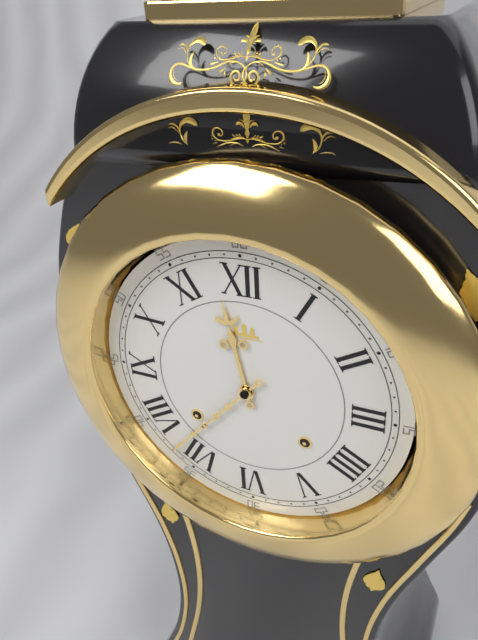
11:37
